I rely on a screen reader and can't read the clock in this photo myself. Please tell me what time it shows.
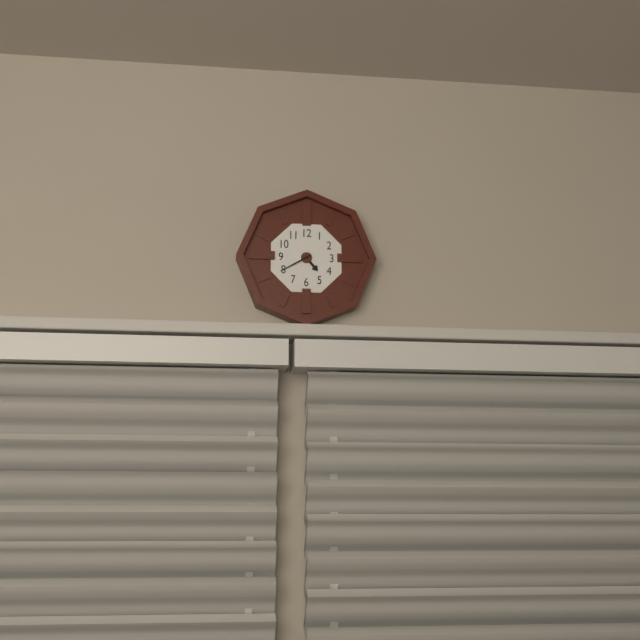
4:40
